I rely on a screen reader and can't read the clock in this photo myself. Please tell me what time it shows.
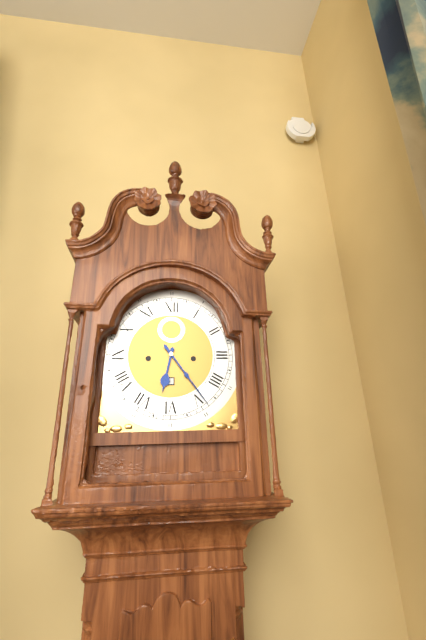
6:24
